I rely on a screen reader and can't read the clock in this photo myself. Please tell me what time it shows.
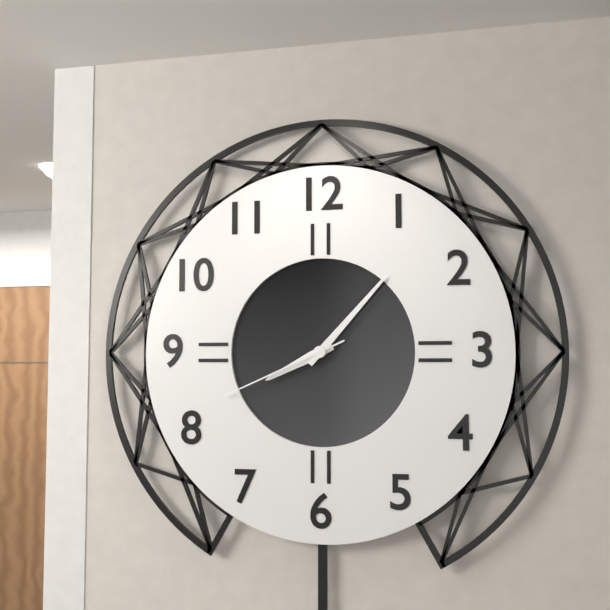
8:07:41
